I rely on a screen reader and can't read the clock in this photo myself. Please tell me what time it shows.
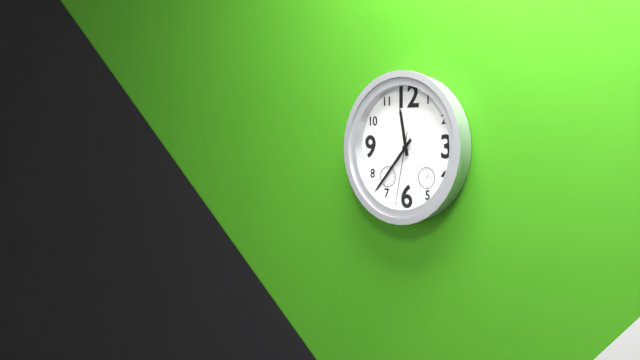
11:37:32
